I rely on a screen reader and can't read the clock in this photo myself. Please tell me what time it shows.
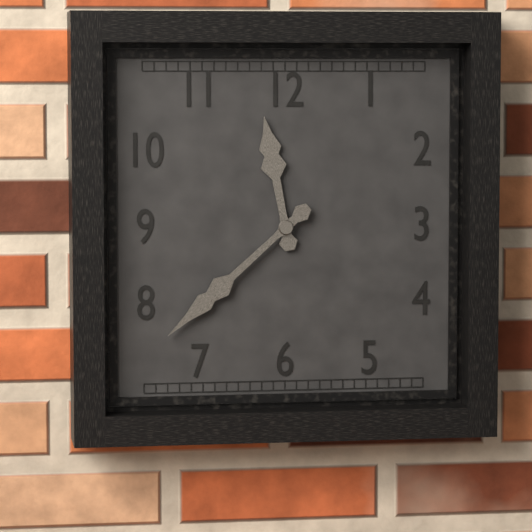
11:38
